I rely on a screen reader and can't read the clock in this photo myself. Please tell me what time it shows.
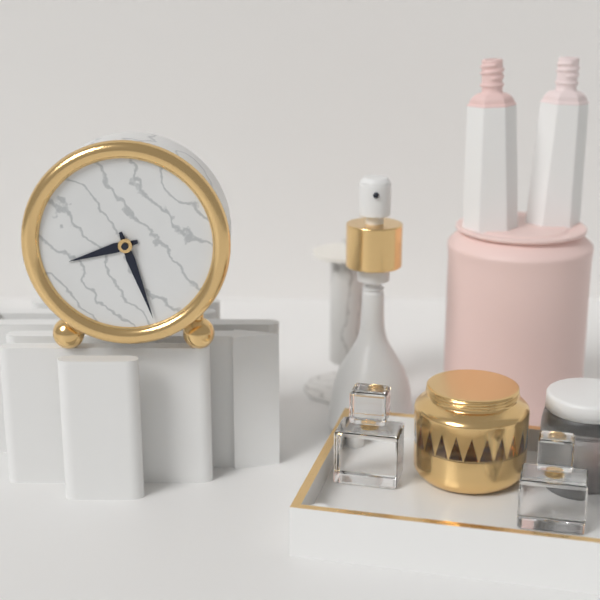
8:27
